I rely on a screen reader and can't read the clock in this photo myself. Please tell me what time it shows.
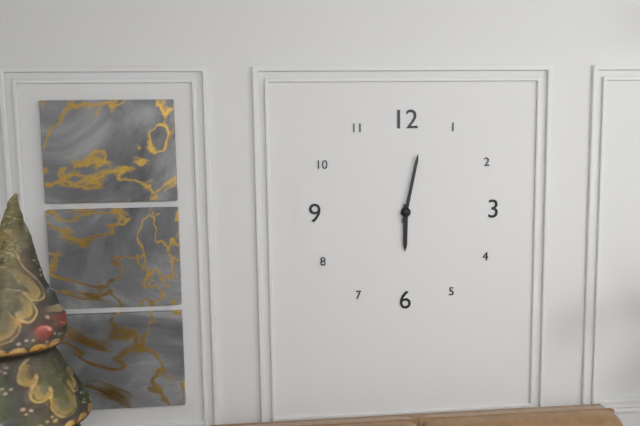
6:02
